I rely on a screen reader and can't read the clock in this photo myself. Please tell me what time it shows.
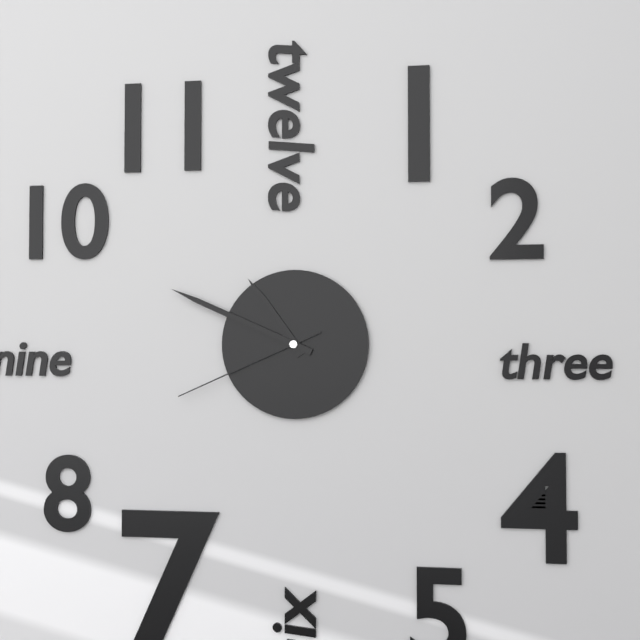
10:49:41
